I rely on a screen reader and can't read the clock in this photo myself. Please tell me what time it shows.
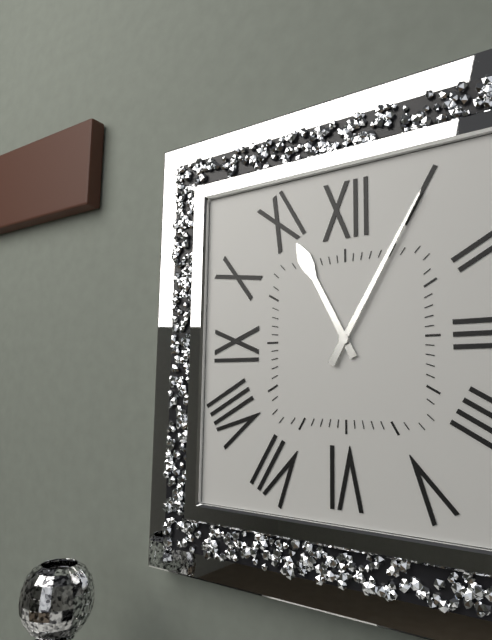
11:05
